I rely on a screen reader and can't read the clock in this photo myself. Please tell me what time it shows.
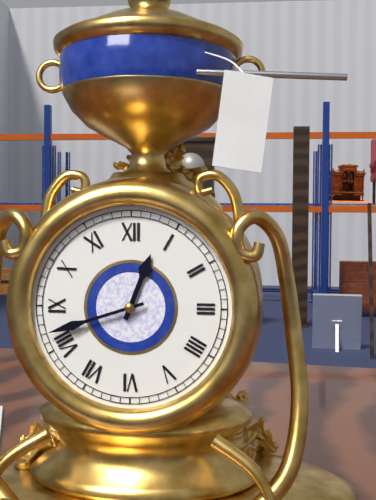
12:42
